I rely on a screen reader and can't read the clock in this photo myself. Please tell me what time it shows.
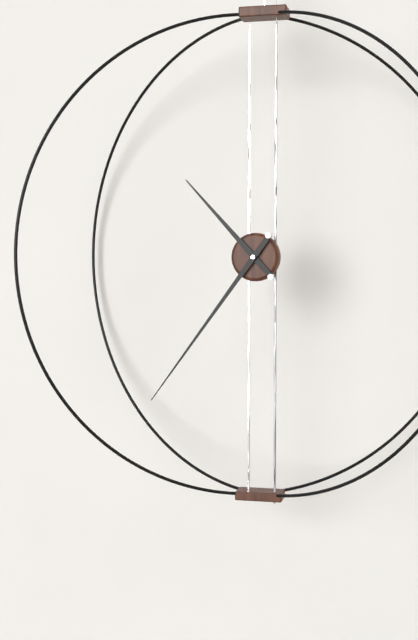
10:36
